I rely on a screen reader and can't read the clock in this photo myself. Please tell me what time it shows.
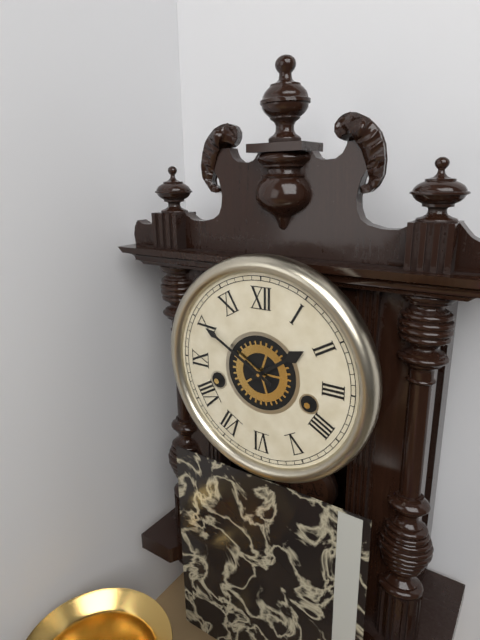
1:50
